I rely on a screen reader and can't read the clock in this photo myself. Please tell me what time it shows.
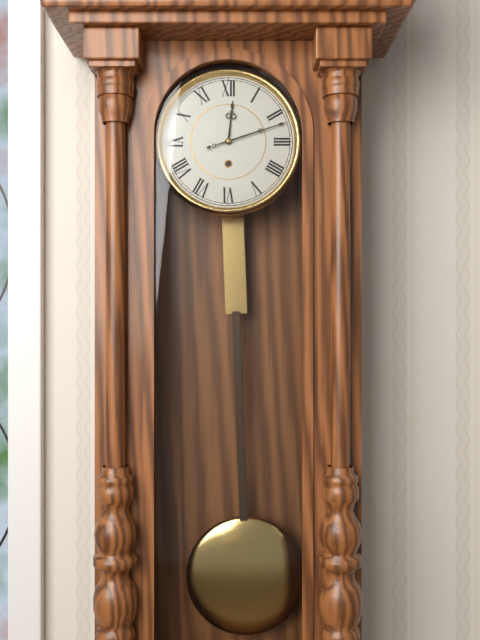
12:12
